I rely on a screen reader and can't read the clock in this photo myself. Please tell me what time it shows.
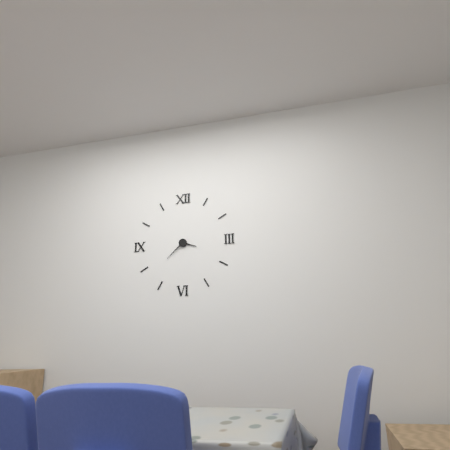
3:38
